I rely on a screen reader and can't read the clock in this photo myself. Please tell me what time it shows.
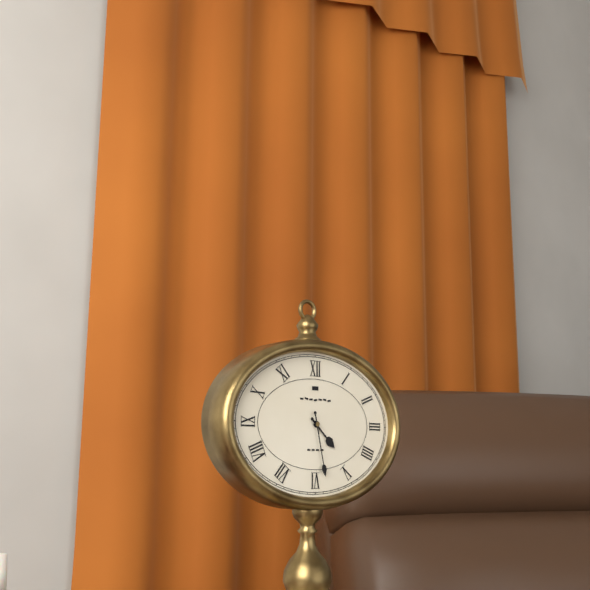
4:28
